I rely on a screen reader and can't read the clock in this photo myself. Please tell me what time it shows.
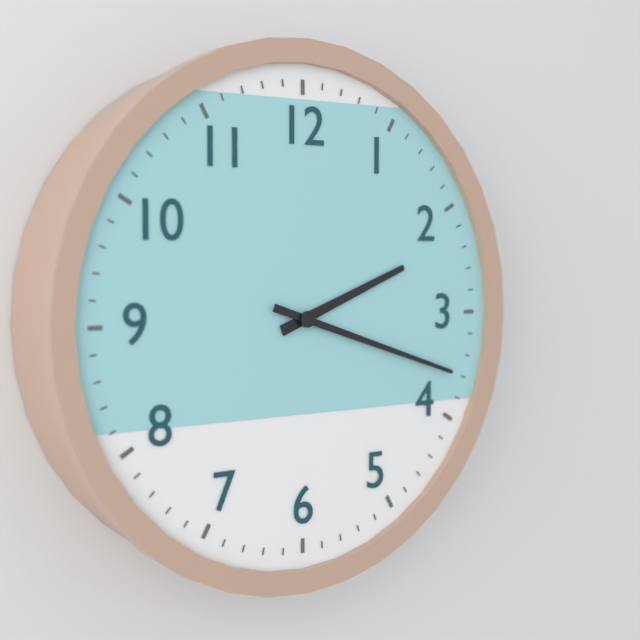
2:18
